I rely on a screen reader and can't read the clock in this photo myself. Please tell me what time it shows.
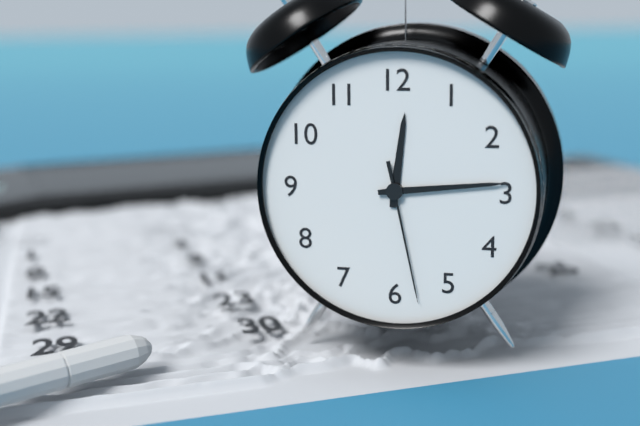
12:14:28
